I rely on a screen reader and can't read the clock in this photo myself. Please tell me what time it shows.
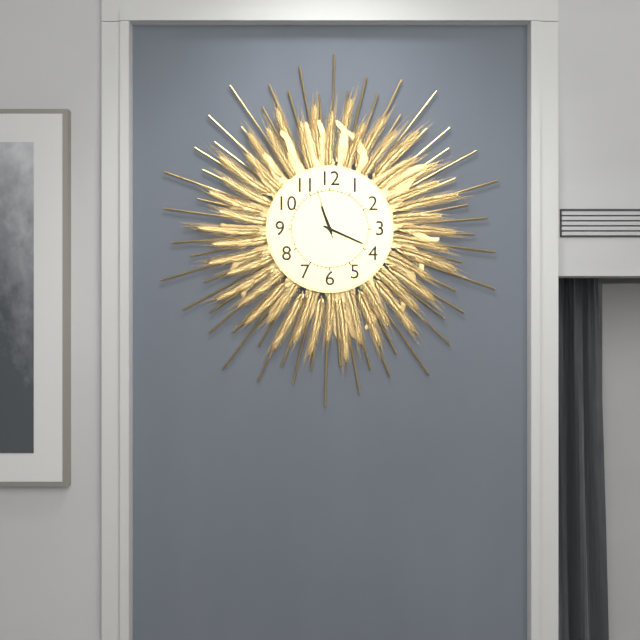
11:19:57
